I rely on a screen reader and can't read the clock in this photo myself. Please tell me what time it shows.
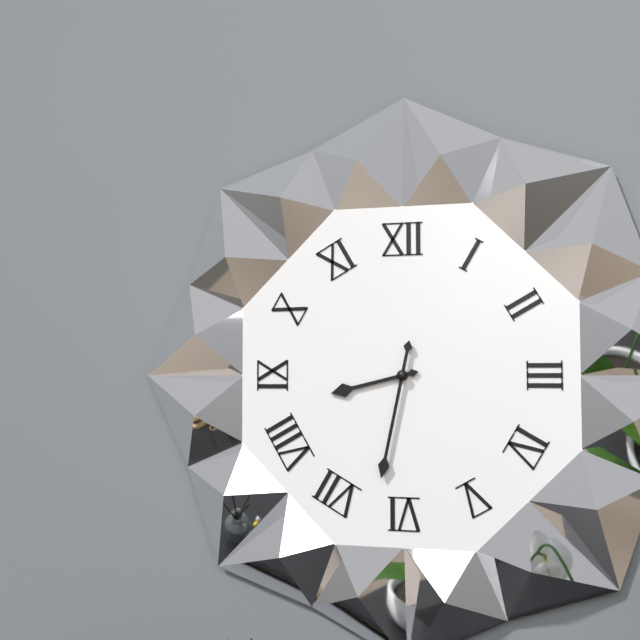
8:32
